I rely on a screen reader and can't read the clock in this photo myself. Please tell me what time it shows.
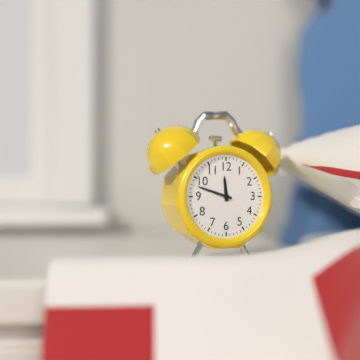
11:48
